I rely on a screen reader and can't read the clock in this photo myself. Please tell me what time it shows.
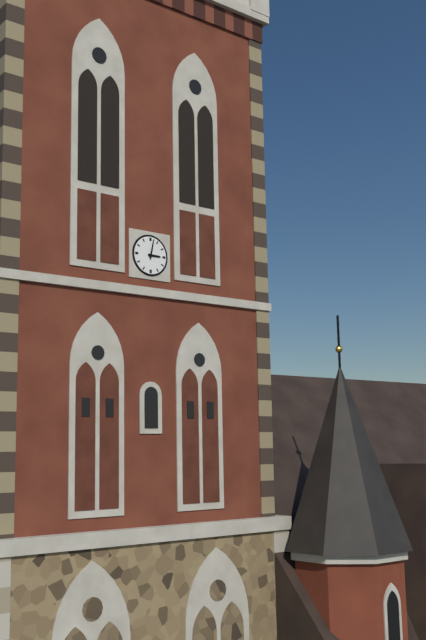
3:02
